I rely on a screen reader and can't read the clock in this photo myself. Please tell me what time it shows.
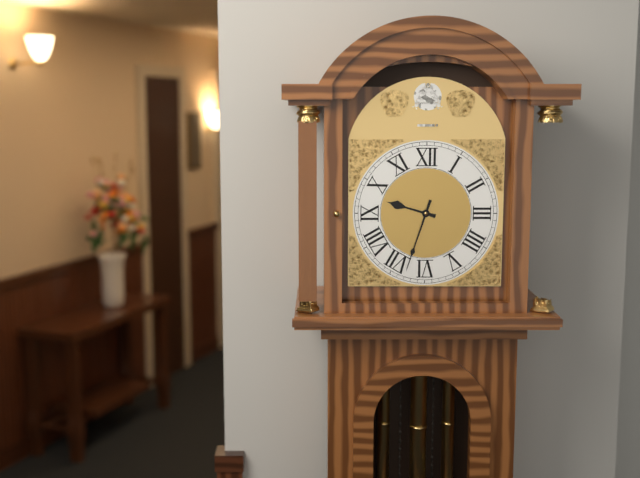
9:33
